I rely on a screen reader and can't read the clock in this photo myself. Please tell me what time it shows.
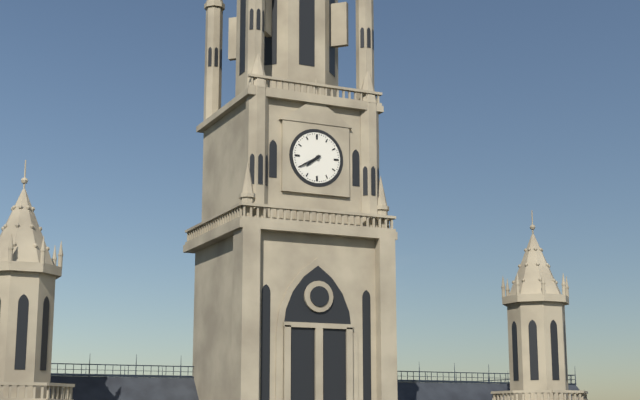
7:40
